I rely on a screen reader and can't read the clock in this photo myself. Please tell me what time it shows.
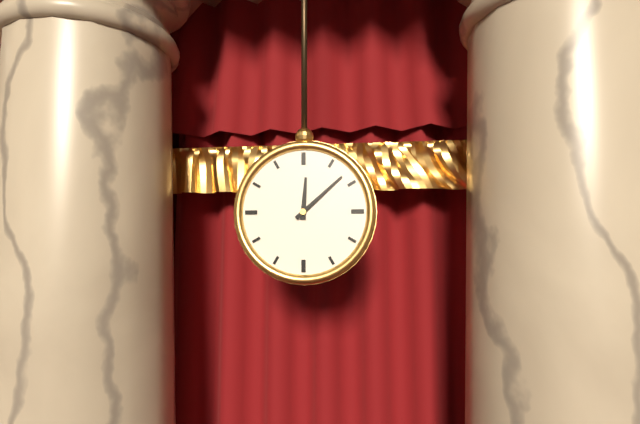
12:08
